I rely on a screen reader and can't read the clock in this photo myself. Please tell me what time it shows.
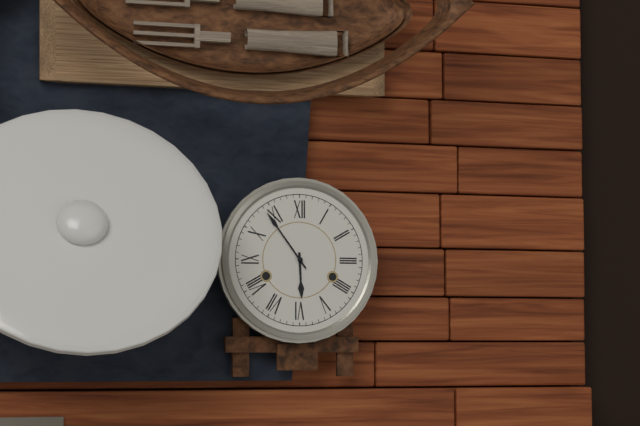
5:54
